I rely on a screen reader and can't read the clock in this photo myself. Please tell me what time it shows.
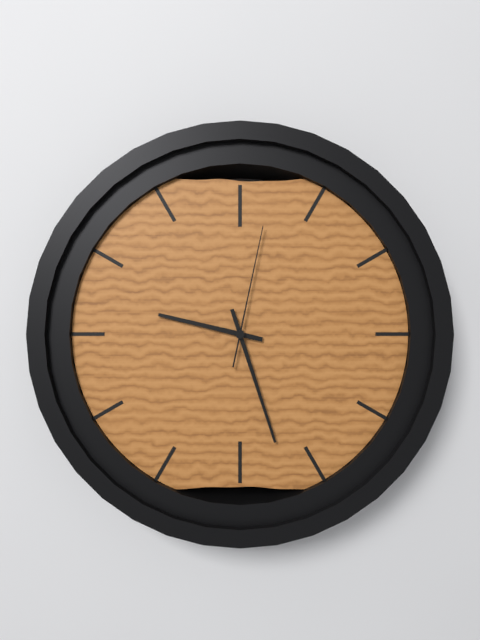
9:27:02
